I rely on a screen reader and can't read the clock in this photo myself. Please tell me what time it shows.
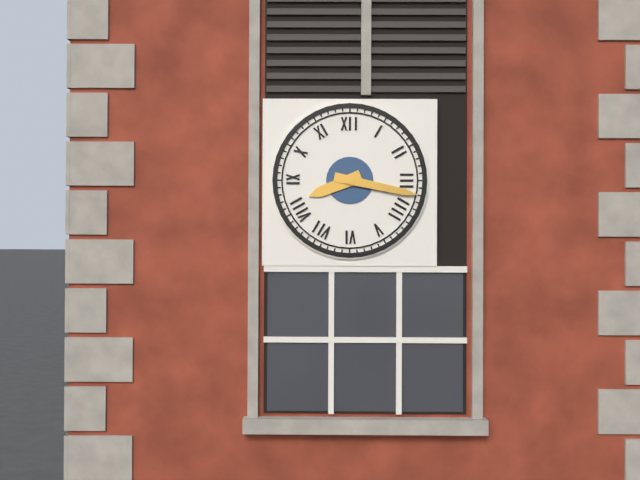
8:17
